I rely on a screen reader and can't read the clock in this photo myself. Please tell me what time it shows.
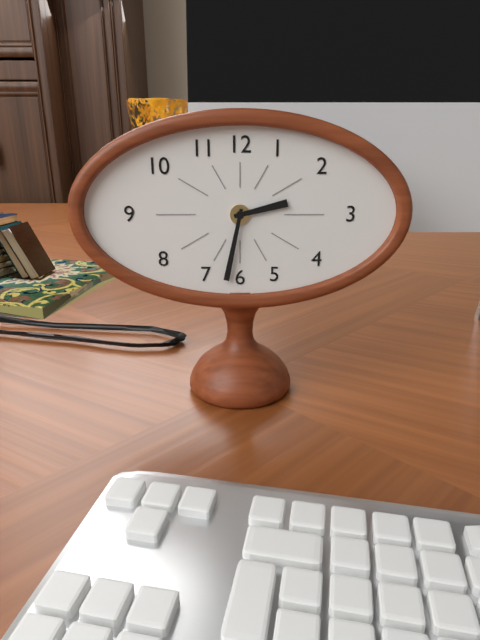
2:32
